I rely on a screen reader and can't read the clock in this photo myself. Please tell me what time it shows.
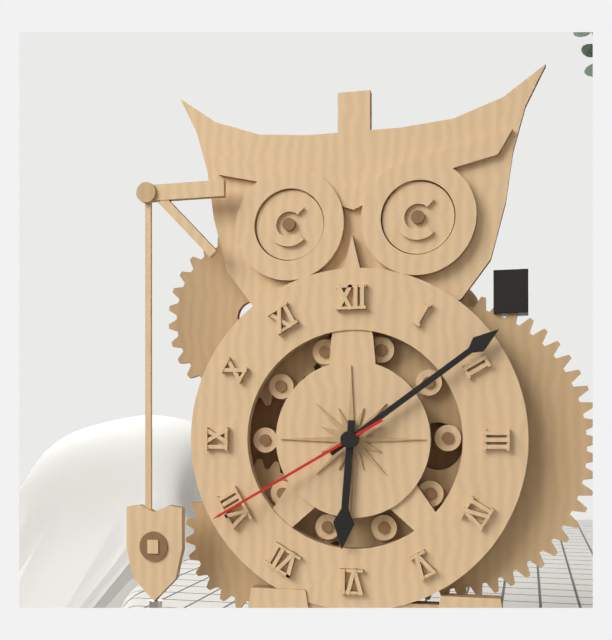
6:09:40
